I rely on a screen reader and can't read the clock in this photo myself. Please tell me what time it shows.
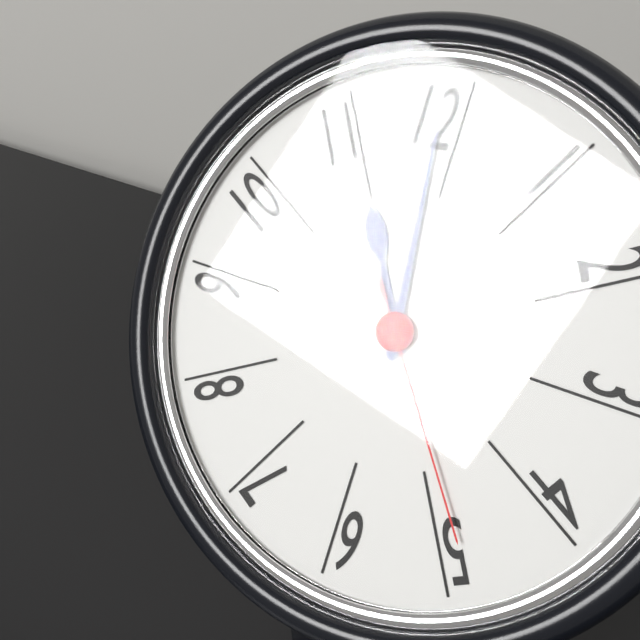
10:59:24
